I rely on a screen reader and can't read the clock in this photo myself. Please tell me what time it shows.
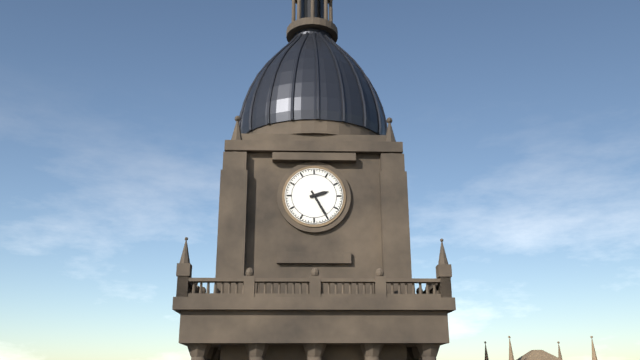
2:25
